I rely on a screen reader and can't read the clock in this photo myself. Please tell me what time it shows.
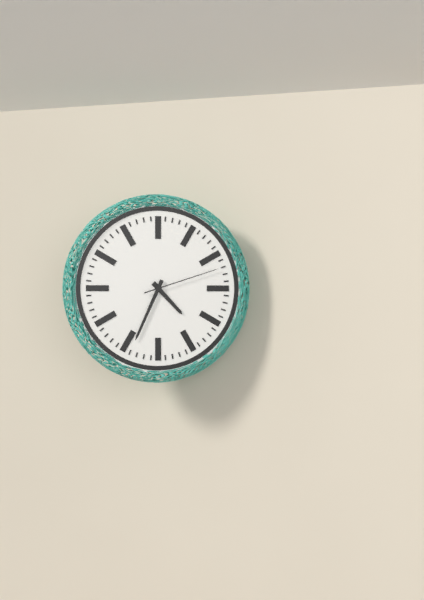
4:34:12
